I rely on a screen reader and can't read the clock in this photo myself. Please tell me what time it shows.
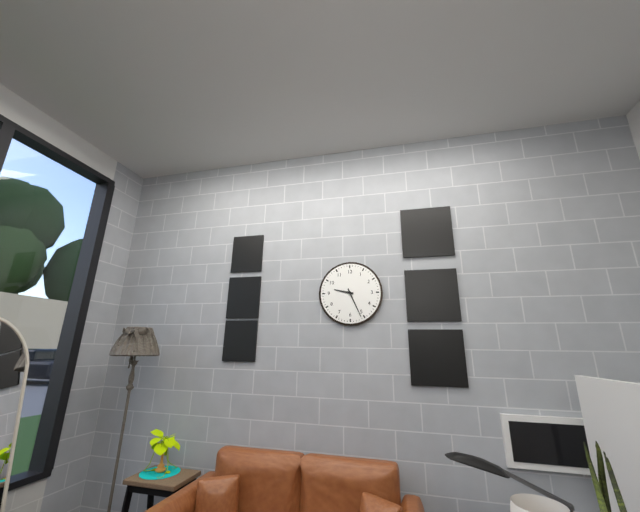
9:26
